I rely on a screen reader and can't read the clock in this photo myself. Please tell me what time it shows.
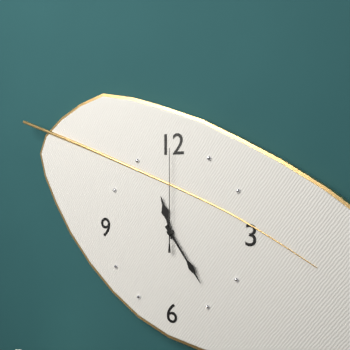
11:24:00
